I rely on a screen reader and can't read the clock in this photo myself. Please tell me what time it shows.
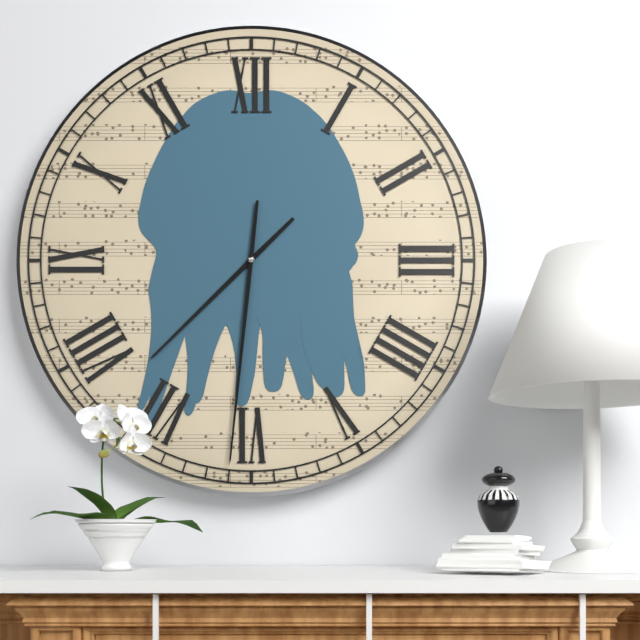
7:31
